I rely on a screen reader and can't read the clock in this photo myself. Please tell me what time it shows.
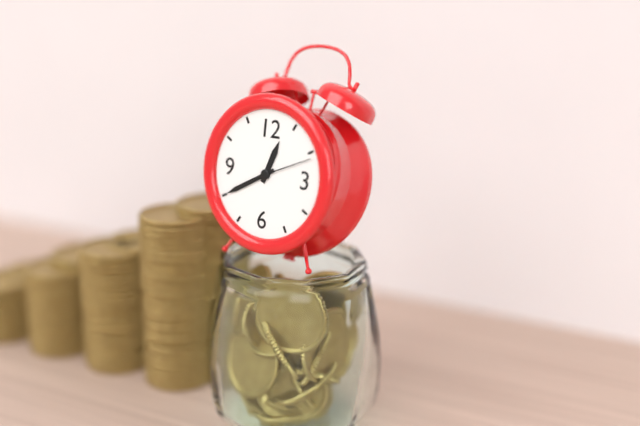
12:40:11
